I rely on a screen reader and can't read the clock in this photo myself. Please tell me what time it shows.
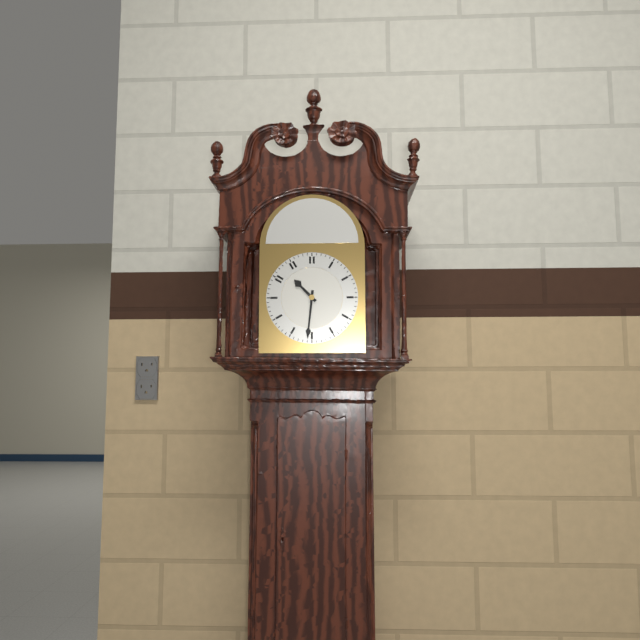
10:31
